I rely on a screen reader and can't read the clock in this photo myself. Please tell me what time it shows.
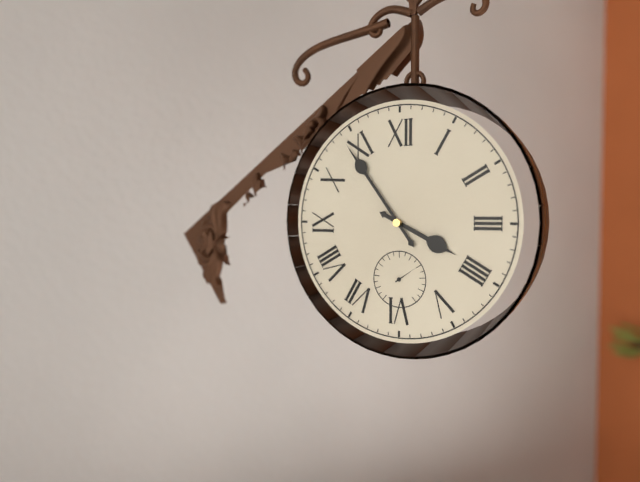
3:54
